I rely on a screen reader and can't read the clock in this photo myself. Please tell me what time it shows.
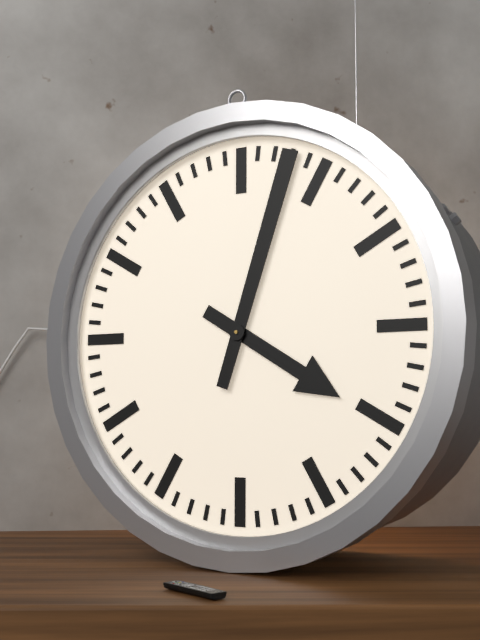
4:03
